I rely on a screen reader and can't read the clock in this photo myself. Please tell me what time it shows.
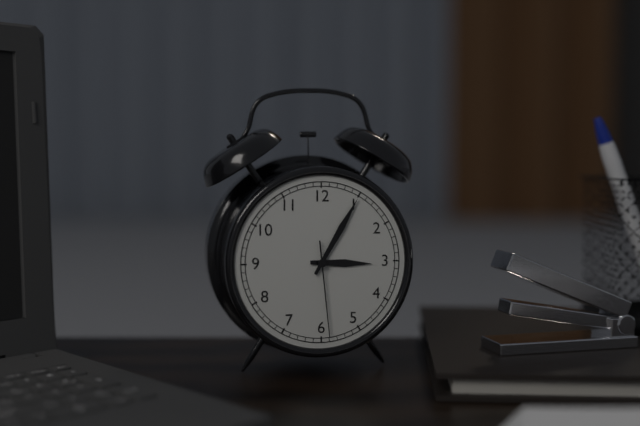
3:05:29
